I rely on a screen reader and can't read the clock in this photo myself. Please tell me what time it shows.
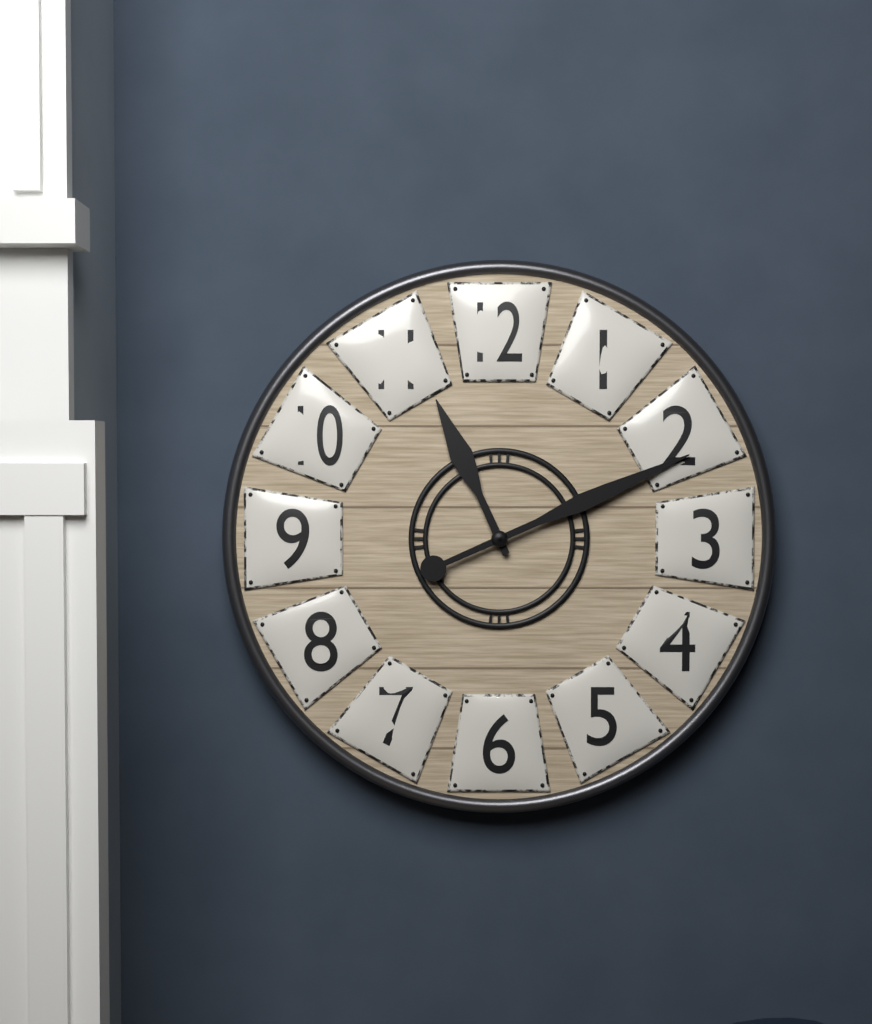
11:11
